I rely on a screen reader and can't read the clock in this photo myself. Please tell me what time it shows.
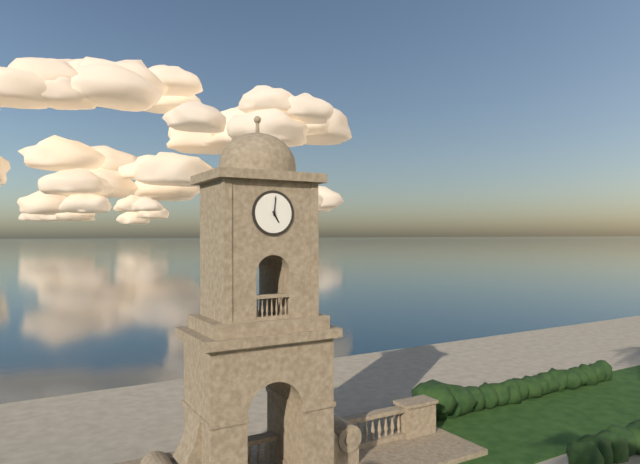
5:01
